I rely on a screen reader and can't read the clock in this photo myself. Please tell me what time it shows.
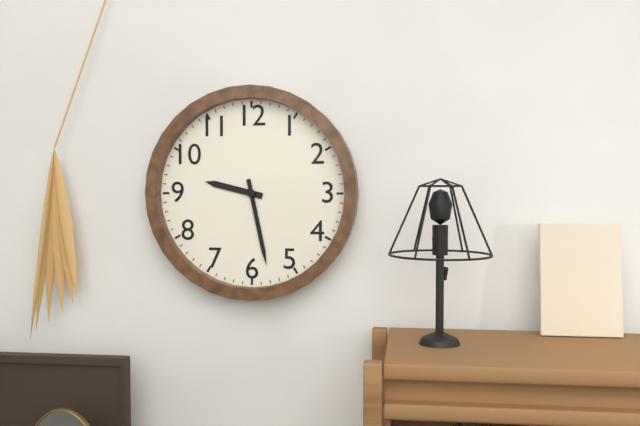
9:28
